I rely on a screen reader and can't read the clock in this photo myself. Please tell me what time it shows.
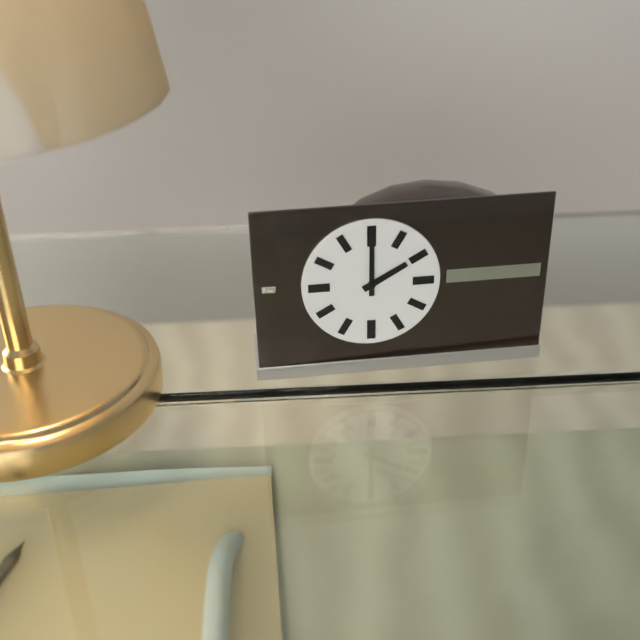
2:00
